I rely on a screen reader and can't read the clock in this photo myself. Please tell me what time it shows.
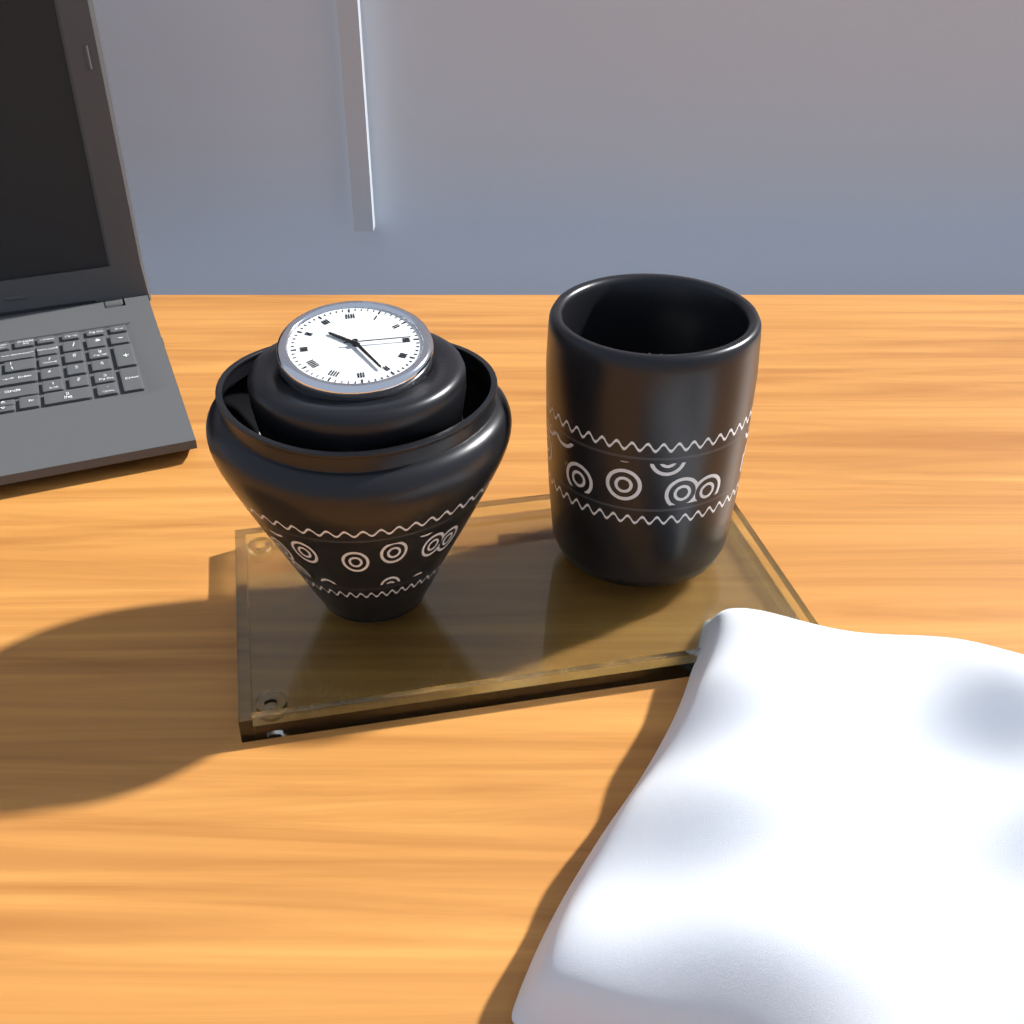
10:26:15
